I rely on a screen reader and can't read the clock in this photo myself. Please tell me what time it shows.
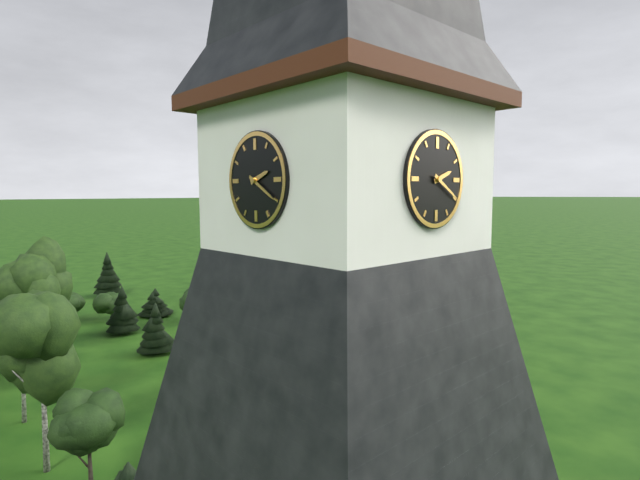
2:20
